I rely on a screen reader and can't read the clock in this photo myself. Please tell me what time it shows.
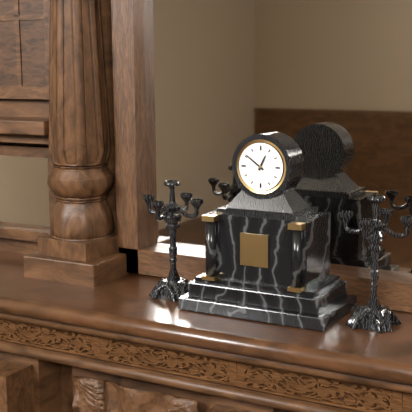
12:51
